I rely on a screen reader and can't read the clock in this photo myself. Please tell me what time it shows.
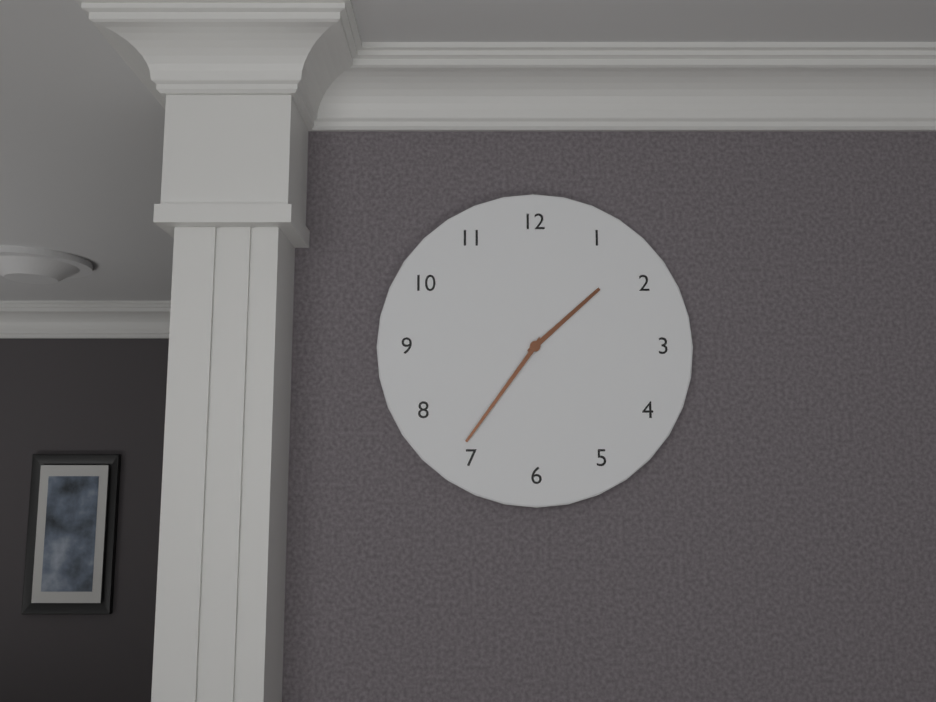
1:36
